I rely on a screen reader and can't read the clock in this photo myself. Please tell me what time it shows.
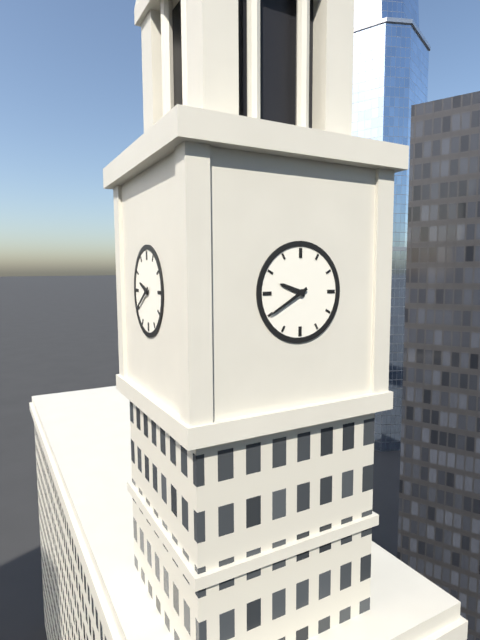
9:40
